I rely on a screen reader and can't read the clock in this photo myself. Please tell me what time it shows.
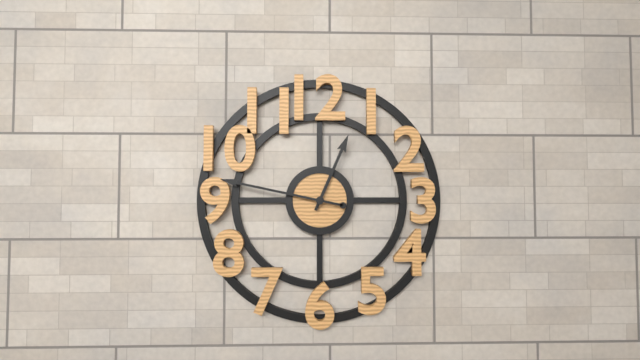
12:47
